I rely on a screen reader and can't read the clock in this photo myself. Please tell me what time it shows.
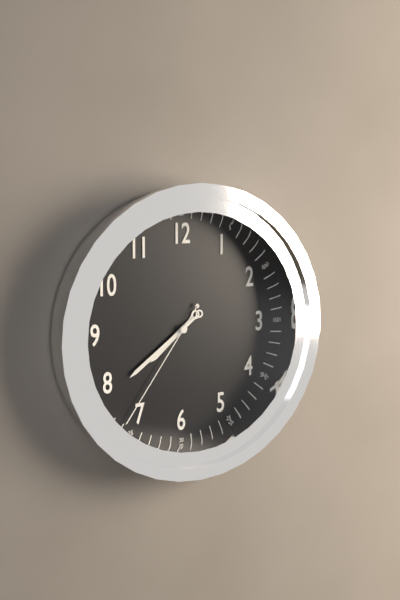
7:39:36
